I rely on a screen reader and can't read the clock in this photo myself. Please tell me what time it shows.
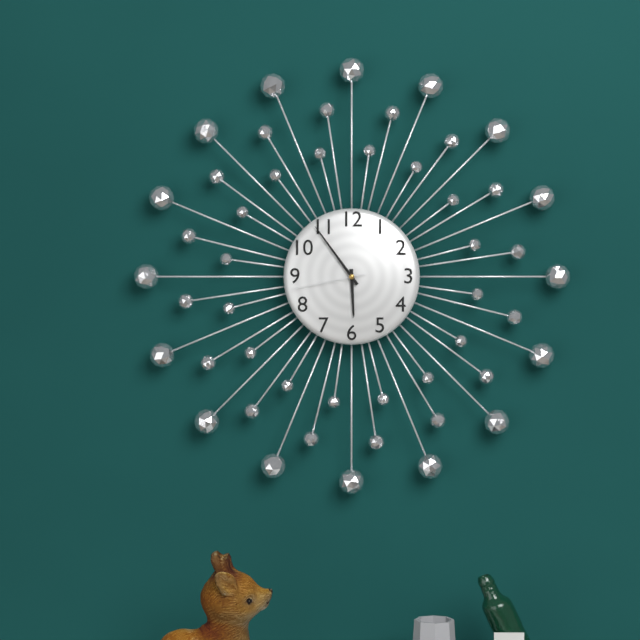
5:54:43
